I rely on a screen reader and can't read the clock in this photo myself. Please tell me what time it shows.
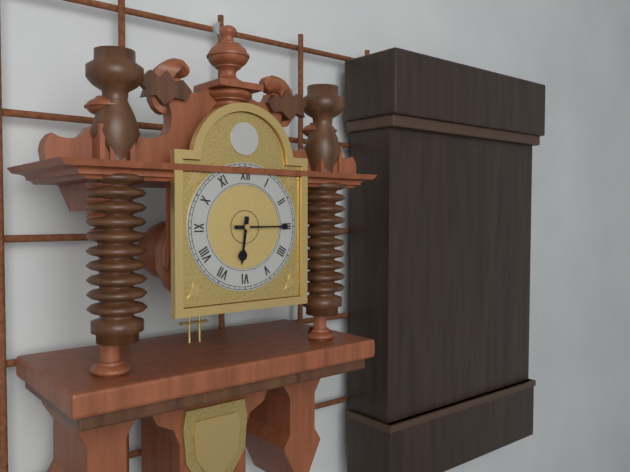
6:15
